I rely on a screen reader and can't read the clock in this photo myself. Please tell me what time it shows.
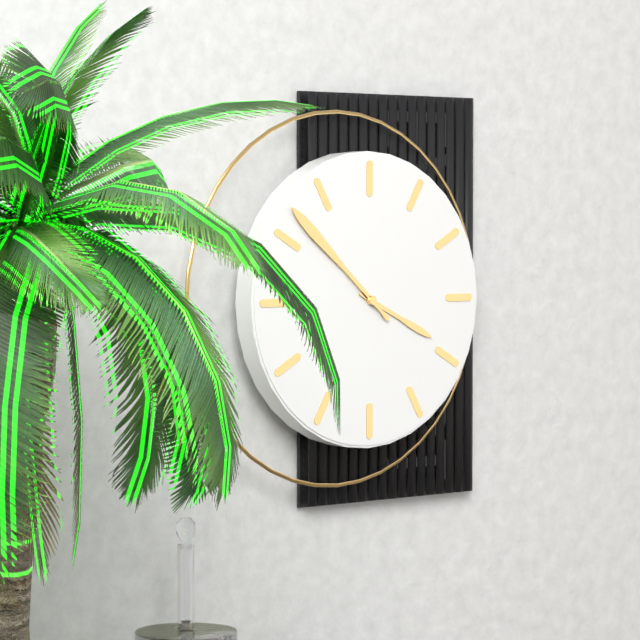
3:52
